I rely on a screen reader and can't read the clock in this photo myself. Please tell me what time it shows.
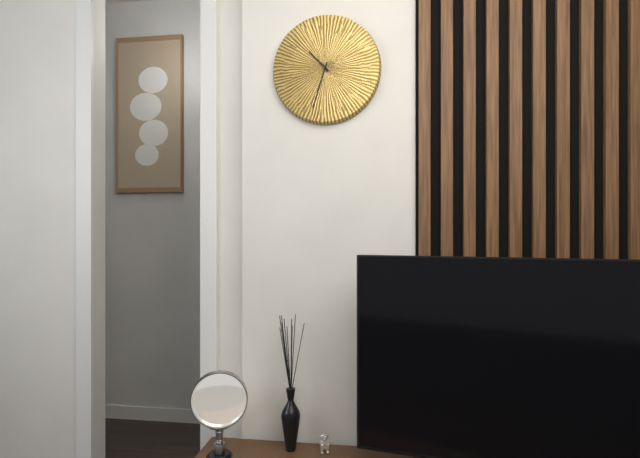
10:33
